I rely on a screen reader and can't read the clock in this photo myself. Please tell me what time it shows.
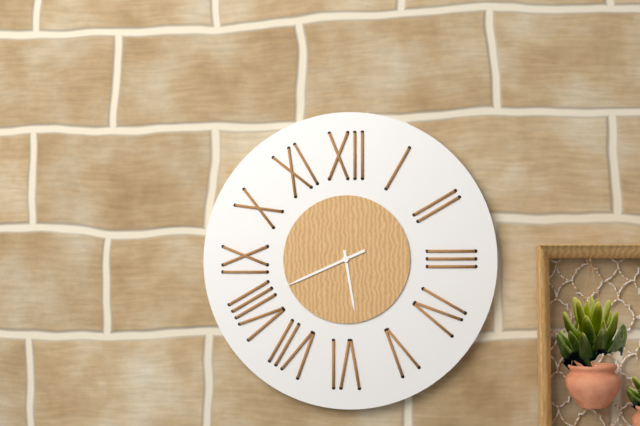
5:41
